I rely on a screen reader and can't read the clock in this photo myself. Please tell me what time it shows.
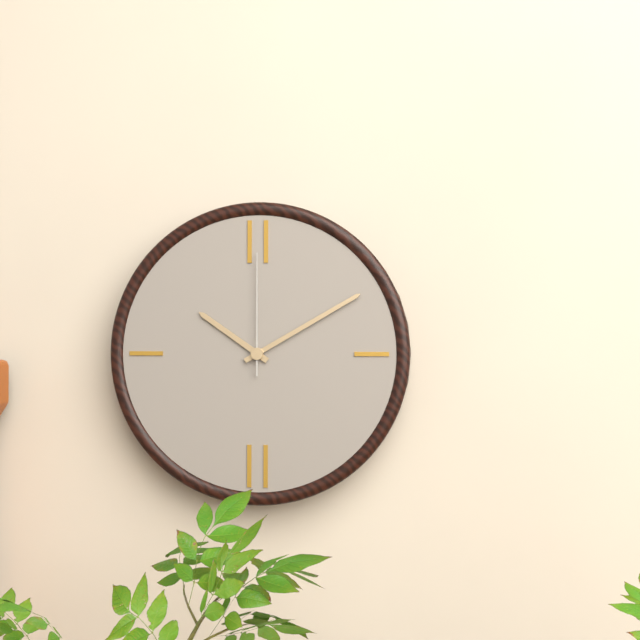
10:10:00
